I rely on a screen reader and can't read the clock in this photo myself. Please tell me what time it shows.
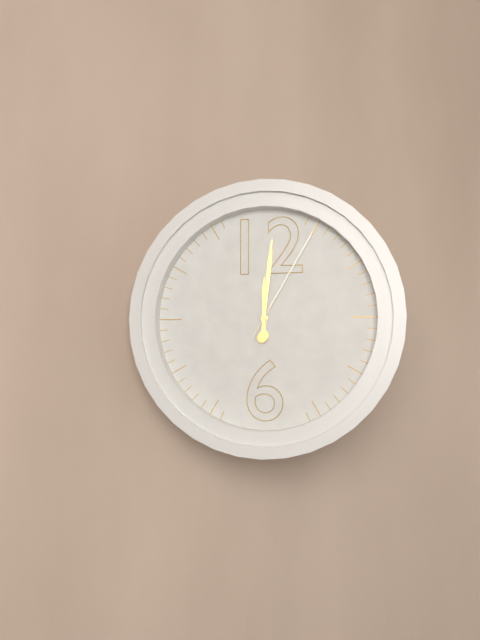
12:01:05
